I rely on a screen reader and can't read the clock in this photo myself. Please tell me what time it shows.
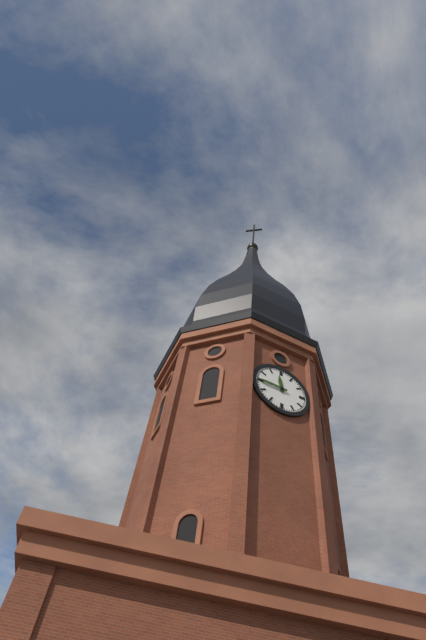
11:45
